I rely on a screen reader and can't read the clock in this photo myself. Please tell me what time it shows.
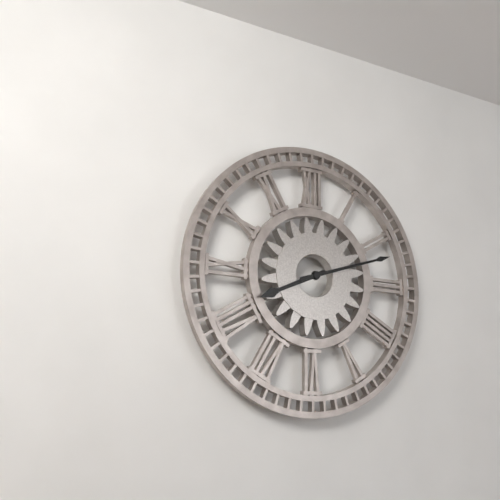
8:12
